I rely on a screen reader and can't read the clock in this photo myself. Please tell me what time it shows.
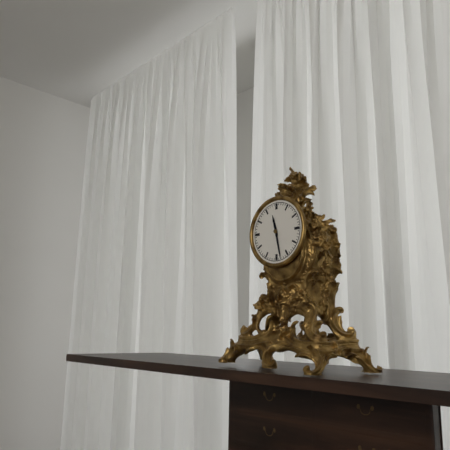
11:28
